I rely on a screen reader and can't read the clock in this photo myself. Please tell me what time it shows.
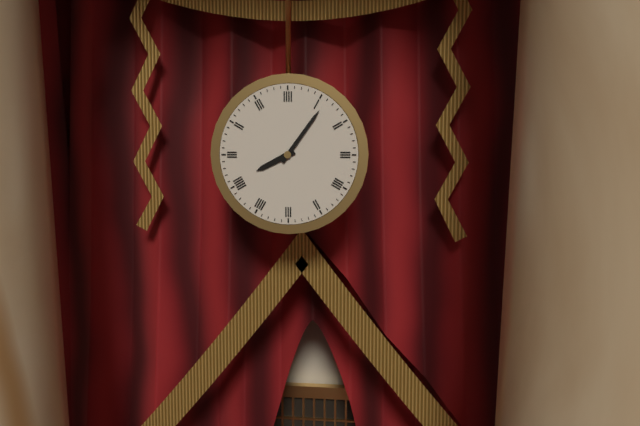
8:06
